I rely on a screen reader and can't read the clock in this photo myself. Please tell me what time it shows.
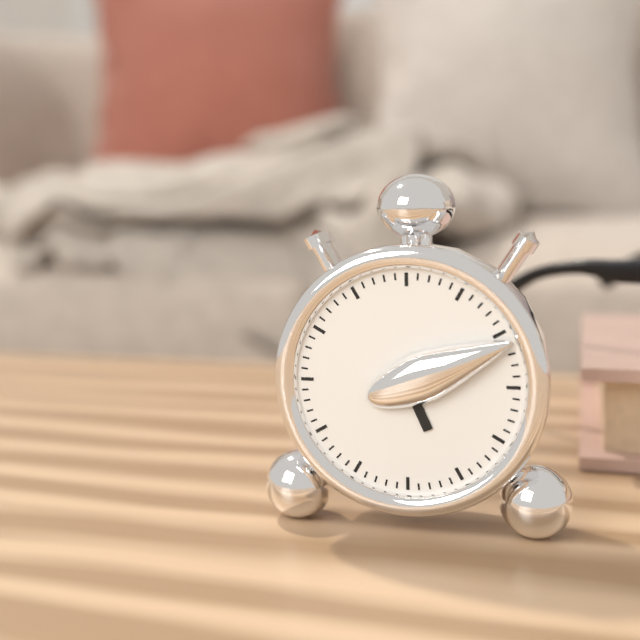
5:11
